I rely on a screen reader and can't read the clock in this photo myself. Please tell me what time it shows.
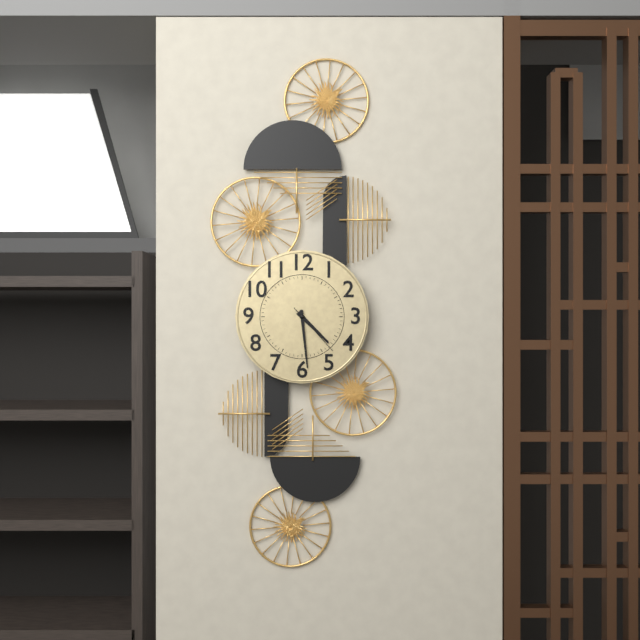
4:29:23
